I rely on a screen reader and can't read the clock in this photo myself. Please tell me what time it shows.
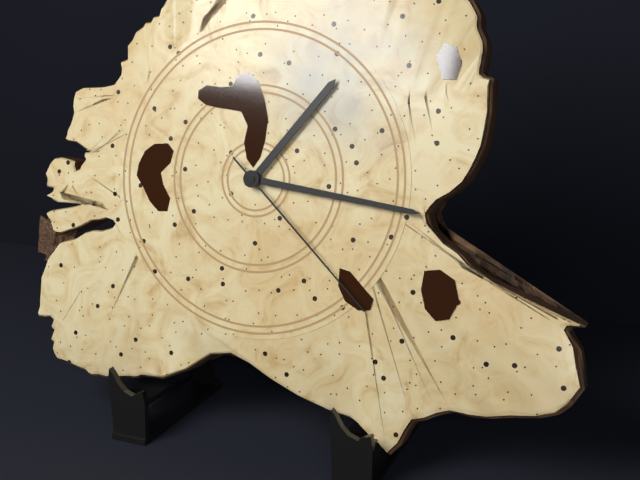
1:16:22
